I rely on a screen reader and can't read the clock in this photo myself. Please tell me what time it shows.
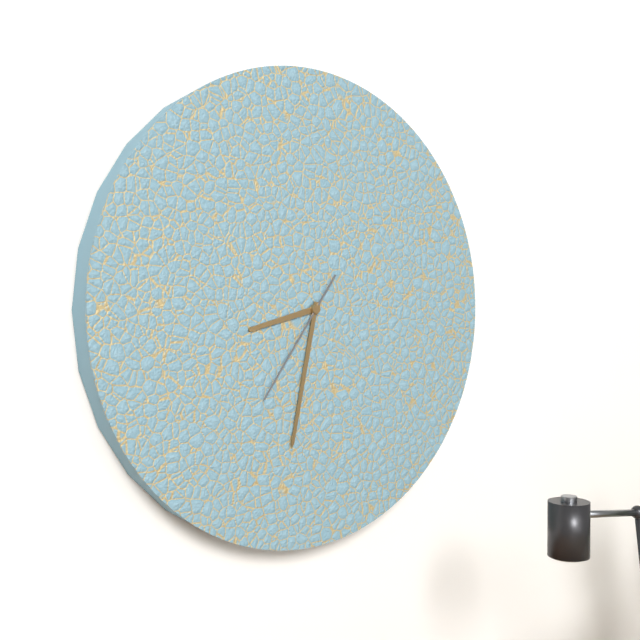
8:32:36
